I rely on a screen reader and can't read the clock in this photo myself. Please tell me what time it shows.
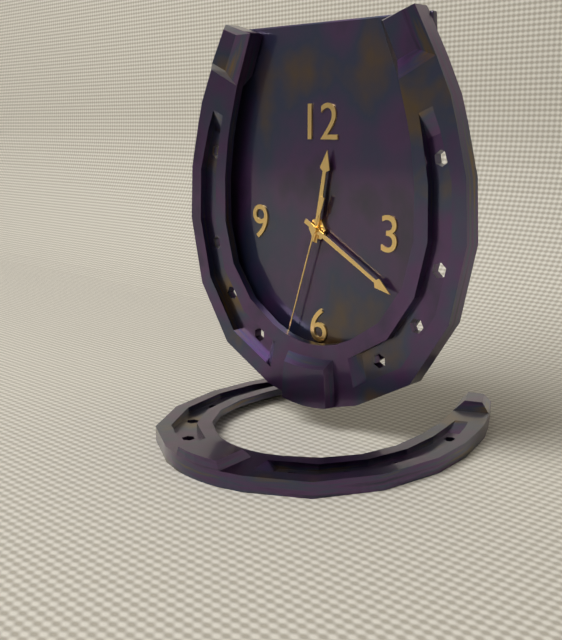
12:20:33
